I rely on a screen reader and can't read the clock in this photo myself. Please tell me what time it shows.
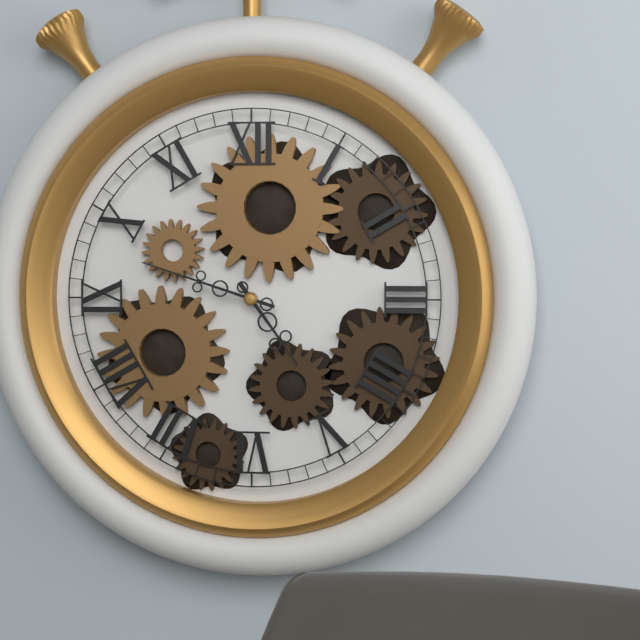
4:48
